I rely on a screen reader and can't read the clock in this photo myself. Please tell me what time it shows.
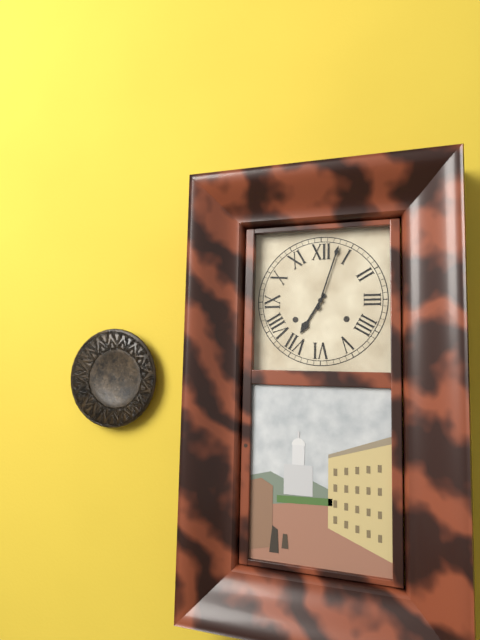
7:03
